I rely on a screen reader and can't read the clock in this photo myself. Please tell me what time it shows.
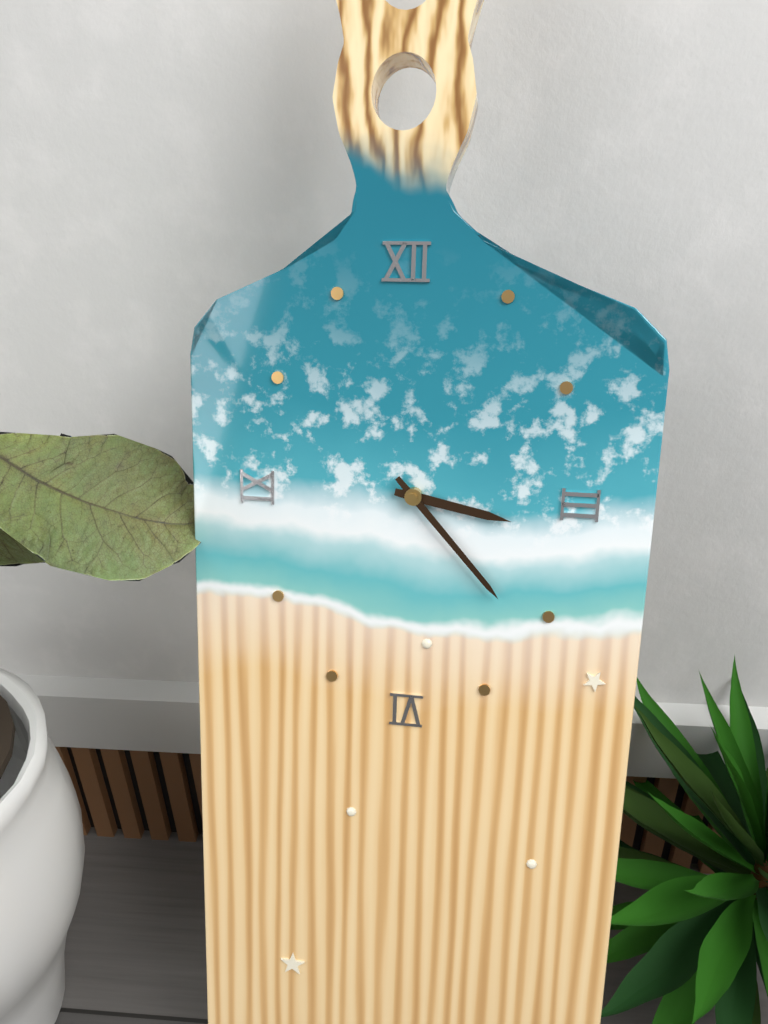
3:23
